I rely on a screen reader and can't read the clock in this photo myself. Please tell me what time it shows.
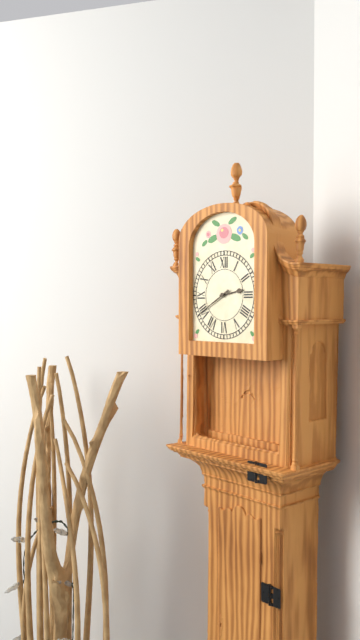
2:40
